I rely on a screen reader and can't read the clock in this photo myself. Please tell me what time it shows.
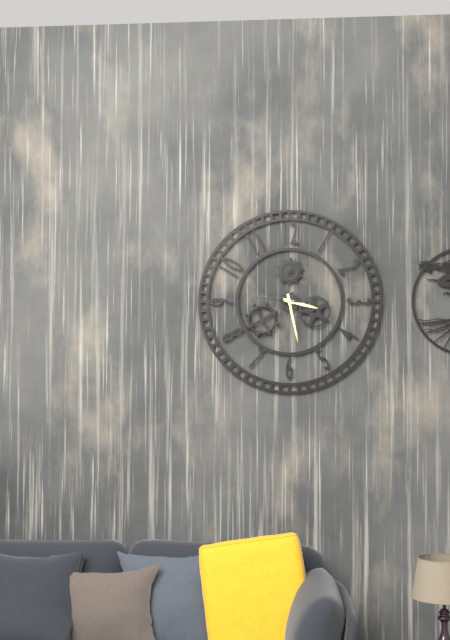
3:28
